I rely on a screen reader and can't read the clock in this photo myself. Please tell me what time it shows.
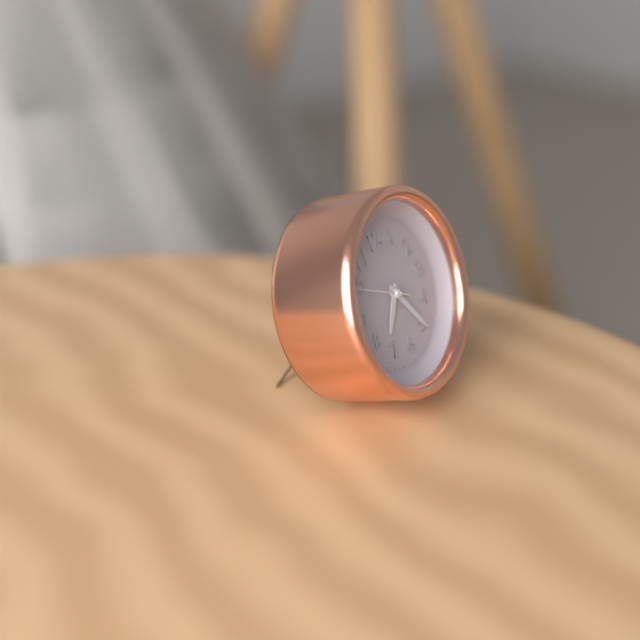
7:25:50
